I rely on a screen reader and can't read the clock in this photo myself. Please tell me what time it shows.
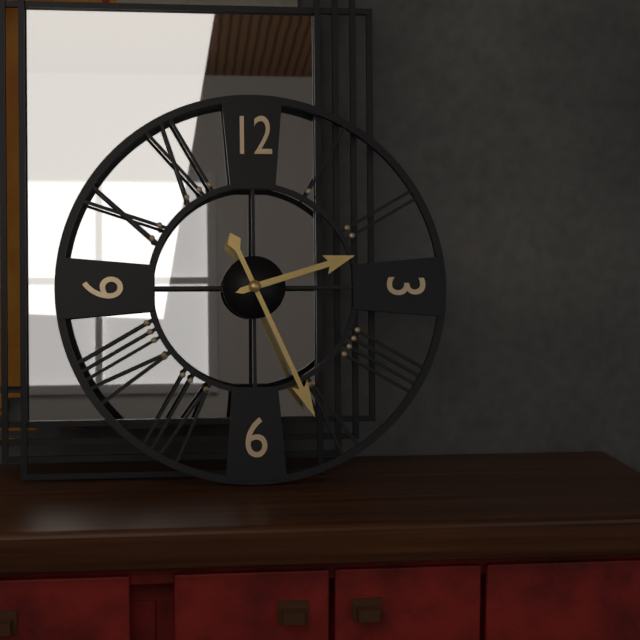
2:26
